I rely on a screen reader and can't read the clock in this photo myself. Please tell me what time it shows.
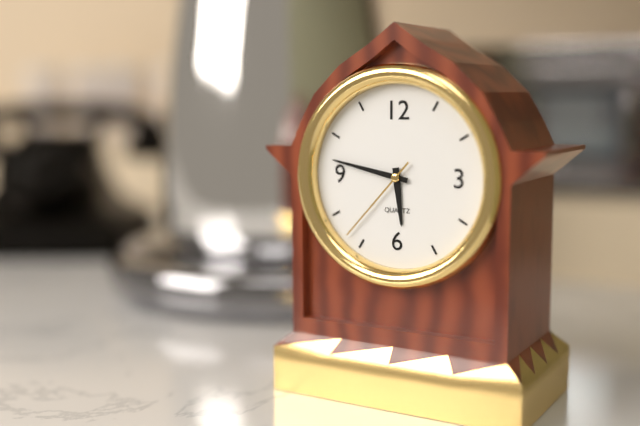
5:47:37
